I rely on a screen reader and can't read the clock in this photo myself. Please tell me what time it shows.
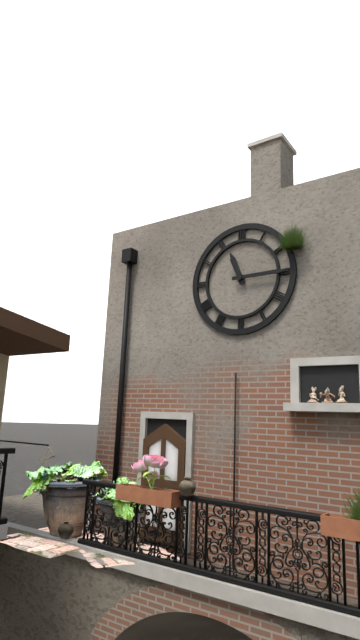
11:15
